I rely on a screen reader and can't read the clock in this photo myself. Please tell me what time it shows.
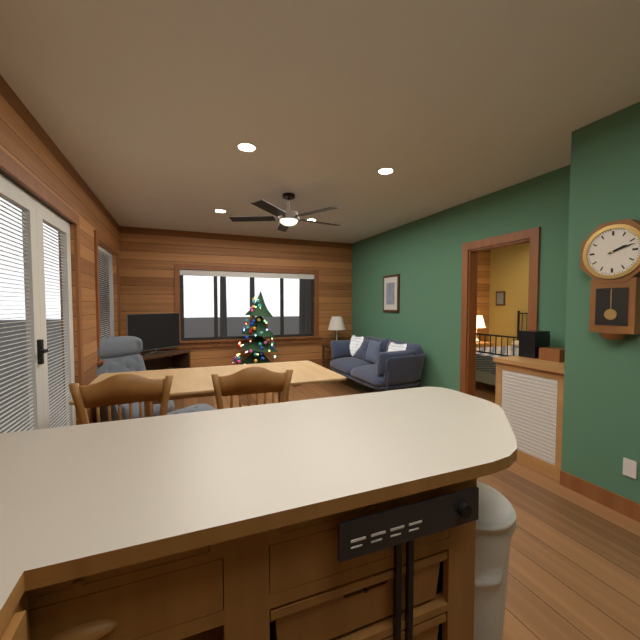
2:12
